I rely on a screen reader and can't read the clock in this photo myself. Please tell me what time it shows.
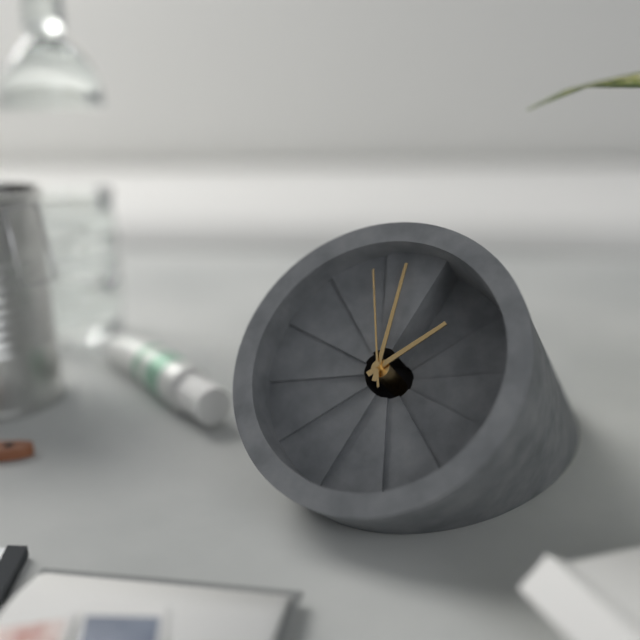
12:57:54
